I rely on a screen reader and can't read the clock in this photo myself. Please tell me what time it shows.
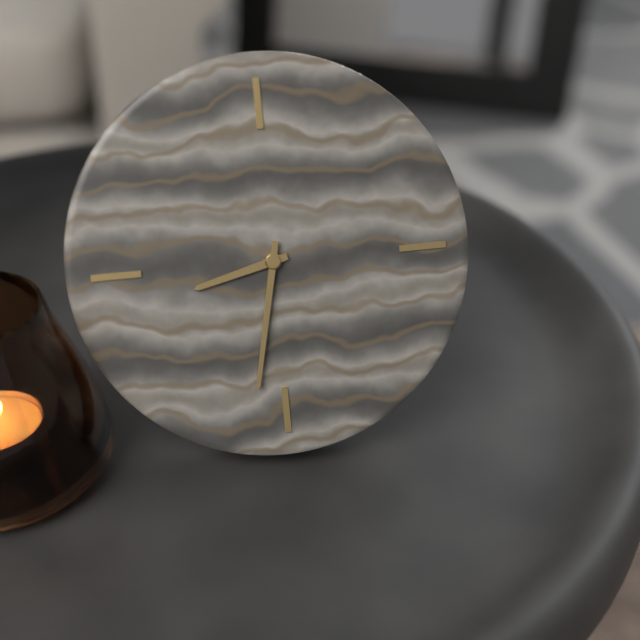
8:32
